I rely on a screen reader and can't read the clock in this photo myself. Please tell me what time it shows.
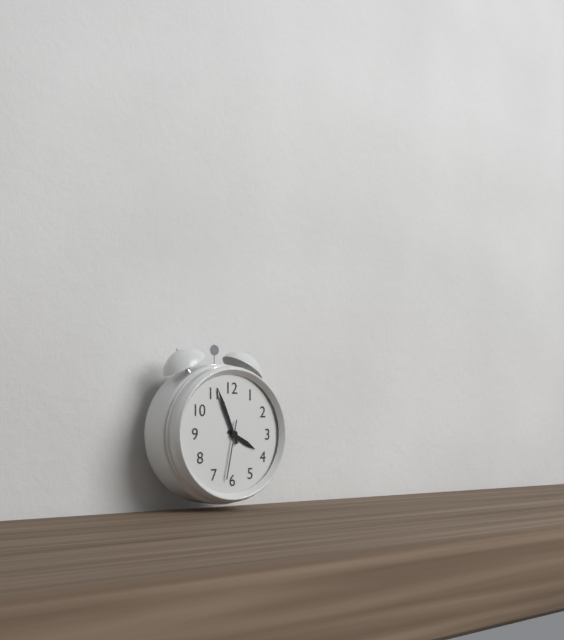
3:56:32
